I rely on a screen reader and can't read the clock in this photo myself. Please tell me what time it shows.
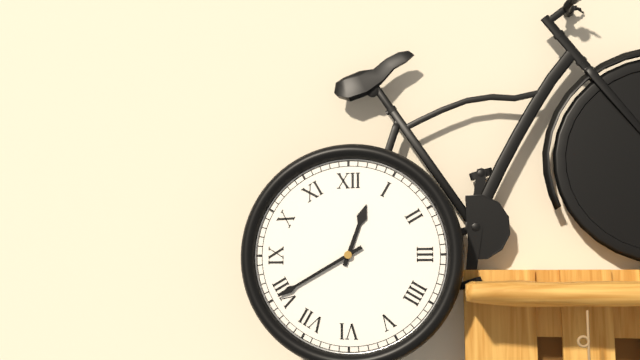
12:40
